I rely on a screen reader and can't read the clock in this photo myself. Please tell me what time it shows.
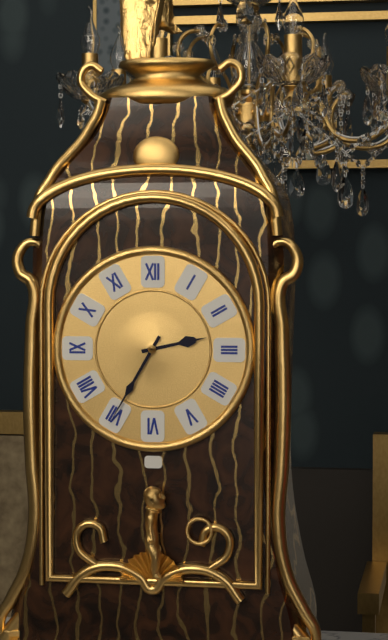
2:35
